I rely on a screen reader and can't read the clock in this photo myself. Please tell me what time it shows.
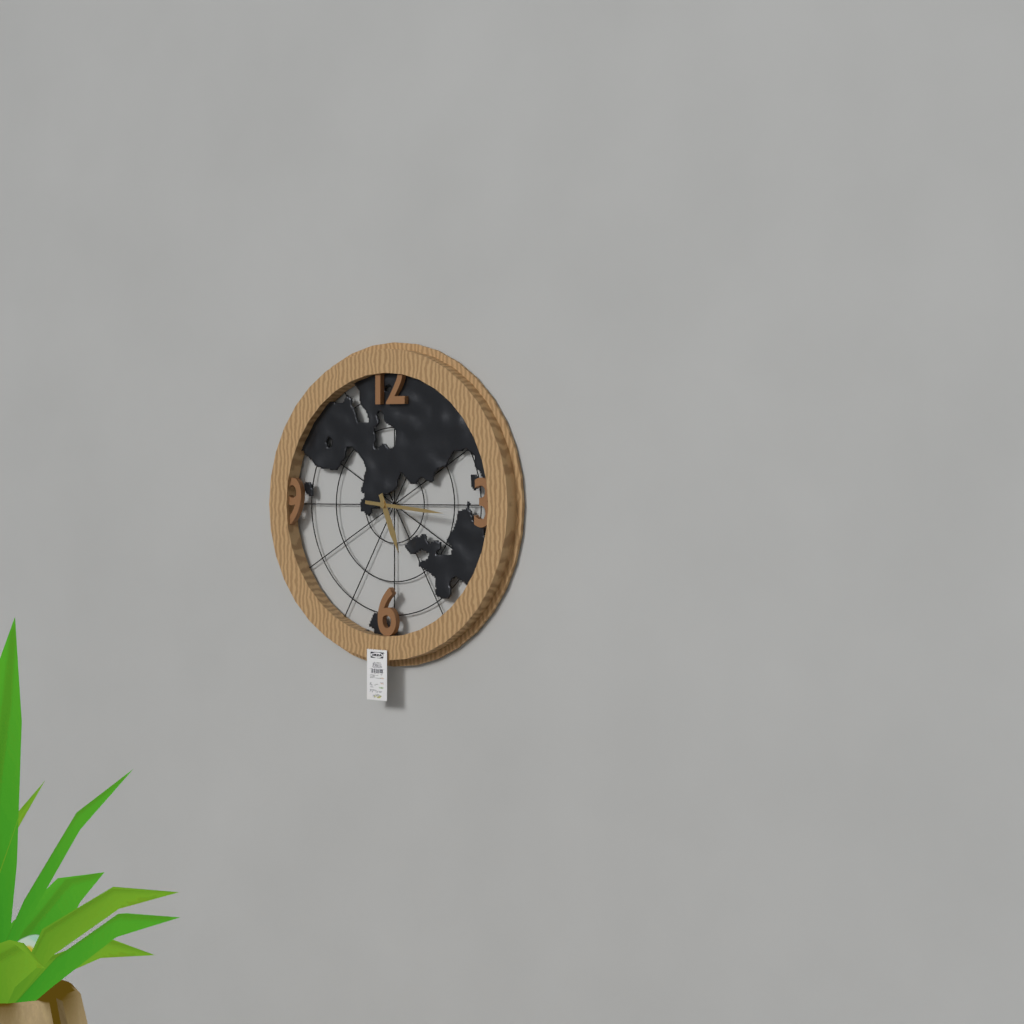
5:16
